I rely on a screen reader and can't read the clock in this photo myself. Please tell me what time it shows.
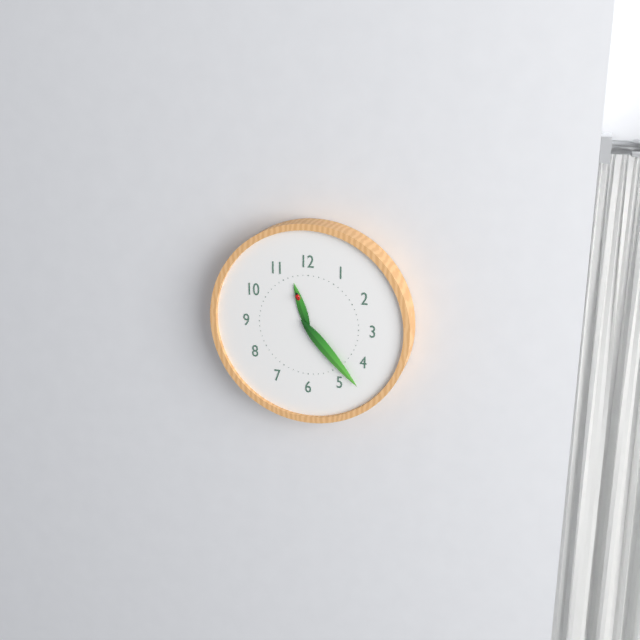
11:23
